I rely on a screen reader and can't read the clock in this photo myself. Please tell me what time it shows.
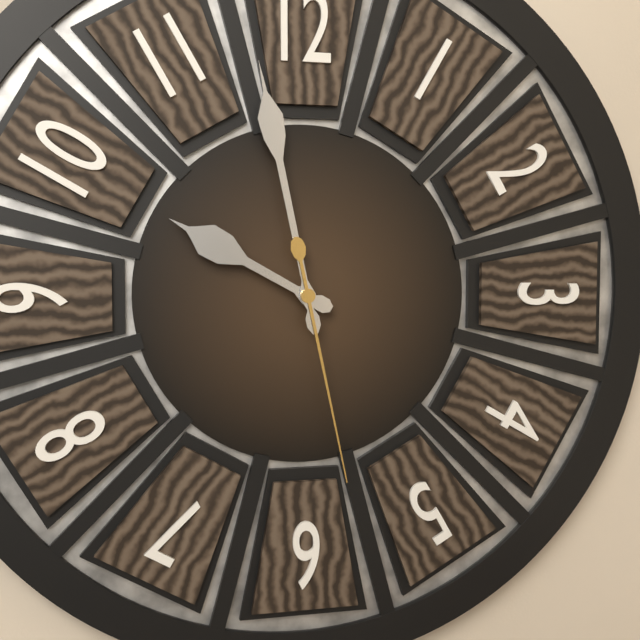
9:58:28
